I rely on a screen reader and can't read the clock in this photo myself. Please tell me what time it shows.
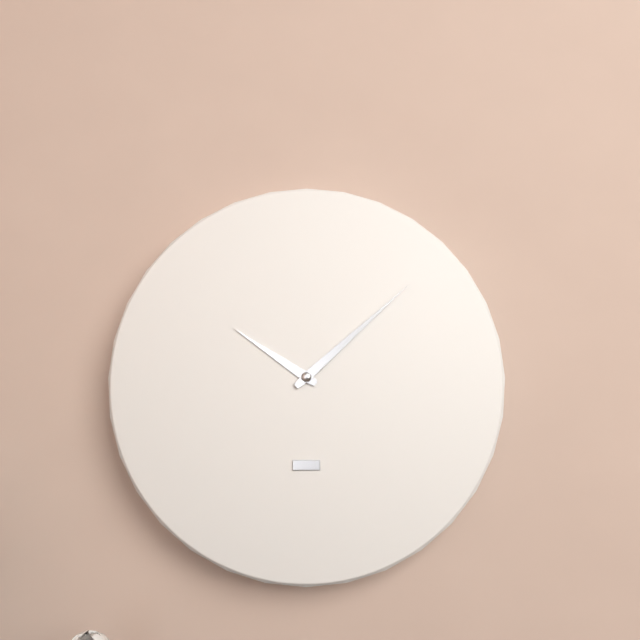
10:08
